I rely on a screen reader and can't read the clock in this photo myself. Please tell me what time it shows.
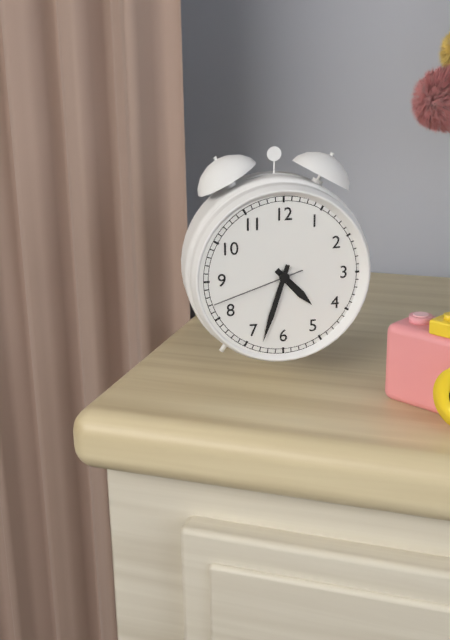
4:33:42
